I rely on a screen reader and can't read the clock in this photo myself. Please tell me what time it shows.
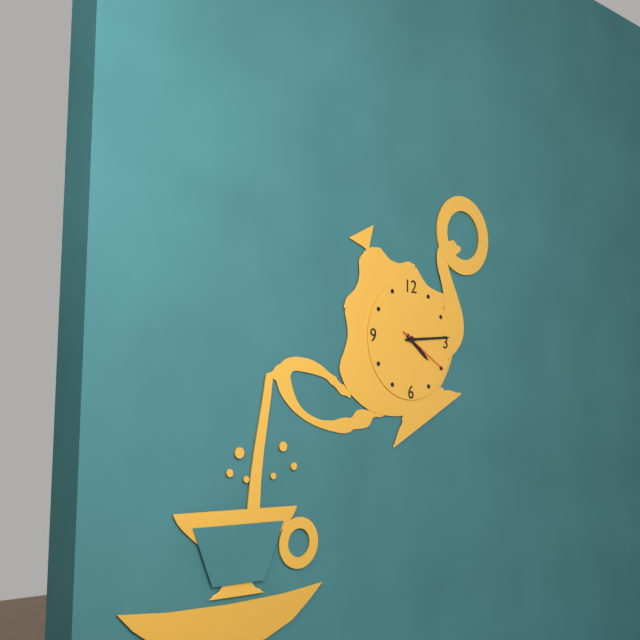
4:14:20
